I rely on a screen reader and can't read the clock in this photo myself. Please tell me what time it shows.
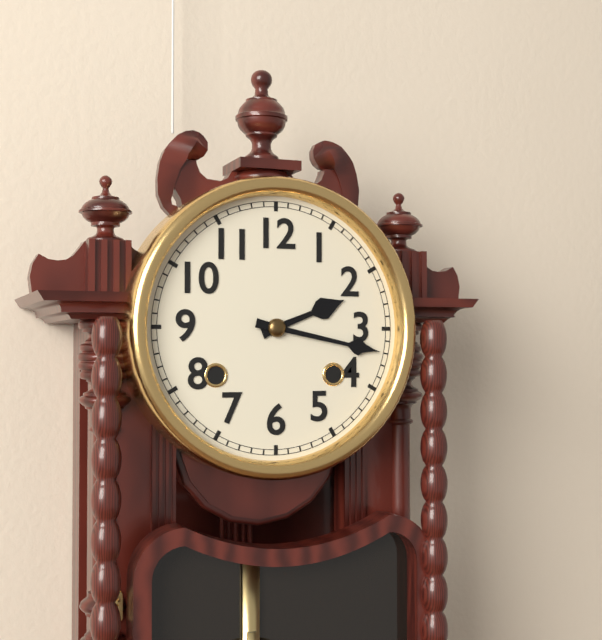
2:17
